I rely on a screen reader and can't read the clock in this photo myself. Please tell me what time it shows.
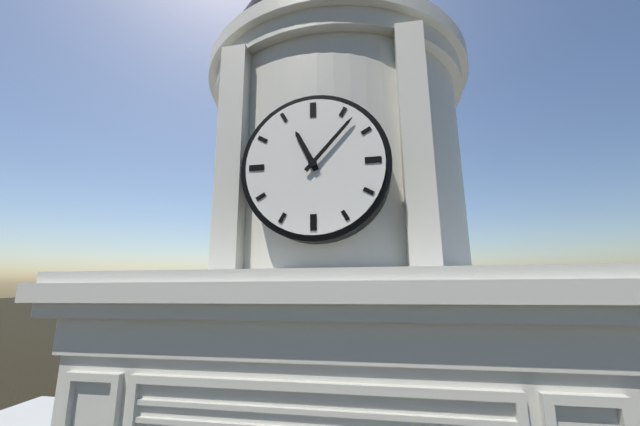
11:07
